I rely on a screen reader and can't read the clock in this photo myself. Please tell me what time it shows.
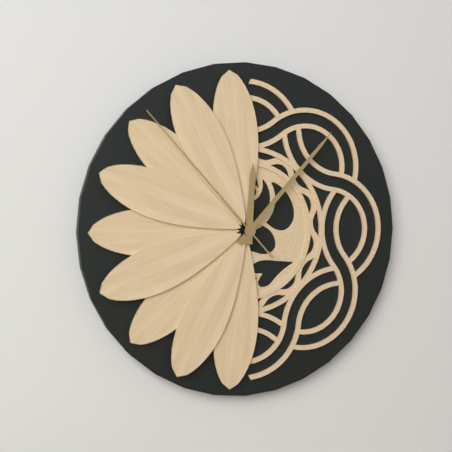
12:07:53
